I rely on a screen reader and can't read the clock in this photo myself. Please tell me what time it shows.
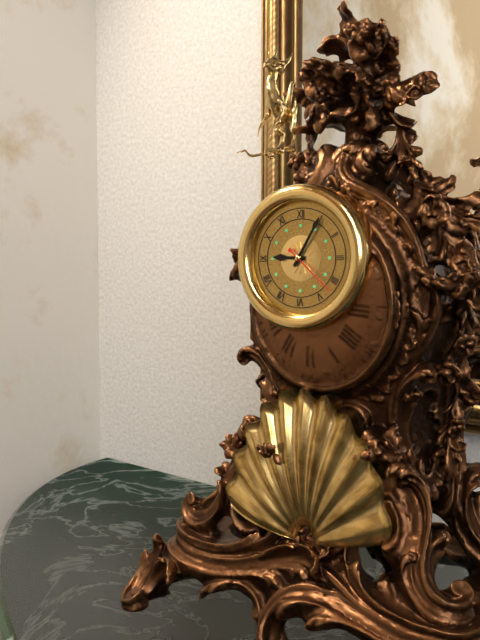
9:05:22
